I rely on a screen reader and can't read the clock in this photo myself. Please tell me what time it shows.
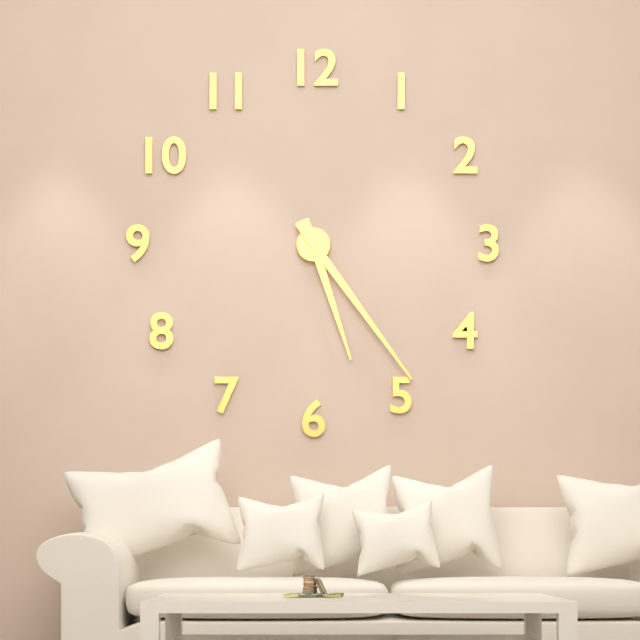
5:24
